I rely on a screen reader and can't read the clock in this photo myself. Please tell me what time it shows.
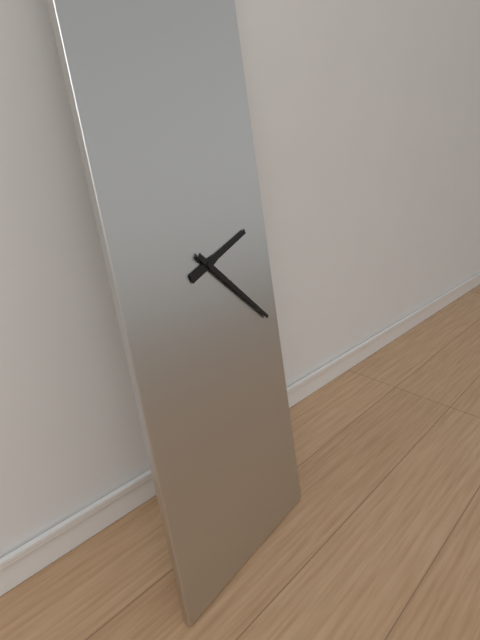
2:22
